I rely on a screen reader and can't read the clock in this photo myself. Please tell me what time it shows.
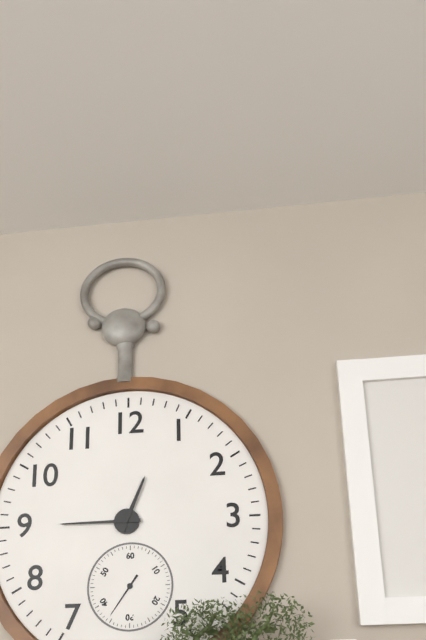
12:45
